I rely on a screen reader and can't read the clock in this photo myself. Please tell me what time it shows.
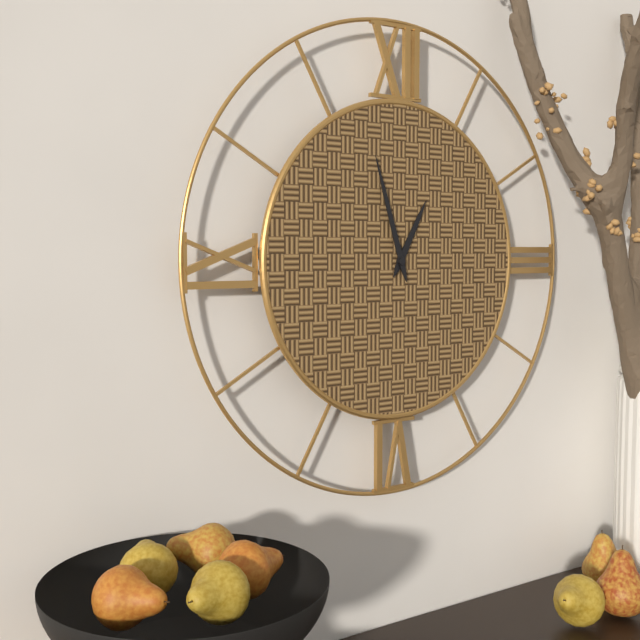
12:57
